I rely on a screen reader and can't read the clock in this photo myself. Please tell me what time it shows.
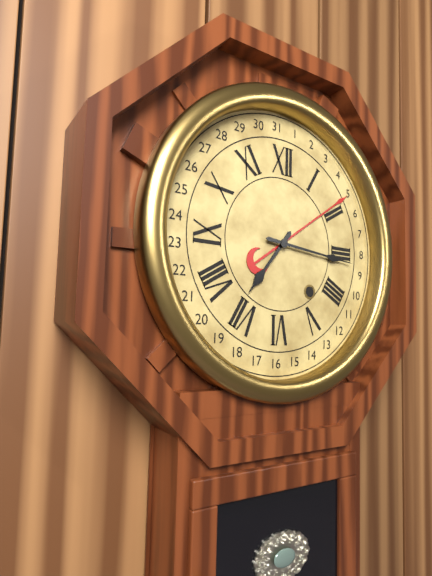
7:16
